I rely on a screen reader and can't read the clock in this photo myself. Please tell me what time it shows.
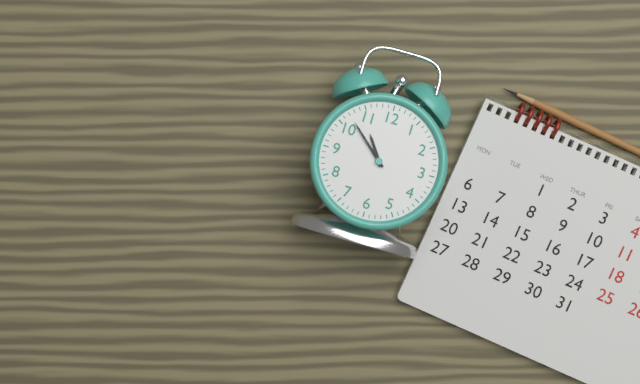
10:52
